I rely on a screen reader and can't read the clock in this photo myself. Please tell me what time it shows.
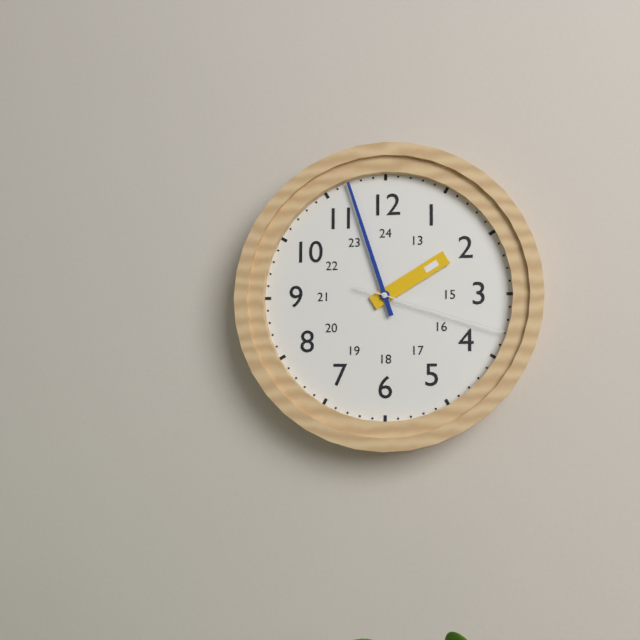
1:57:18
